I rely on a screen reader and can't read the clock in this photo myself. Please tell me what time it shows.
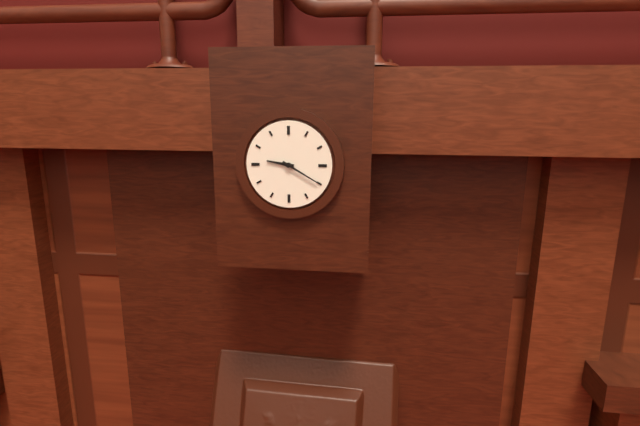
9:20
